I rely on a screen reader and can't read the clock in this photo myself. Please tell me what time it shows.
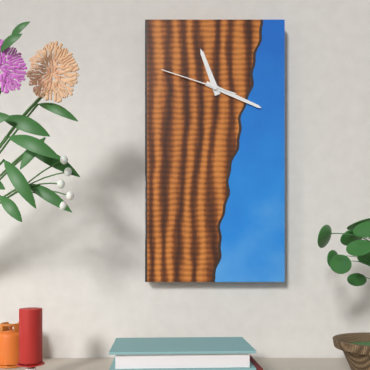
11:19:48
